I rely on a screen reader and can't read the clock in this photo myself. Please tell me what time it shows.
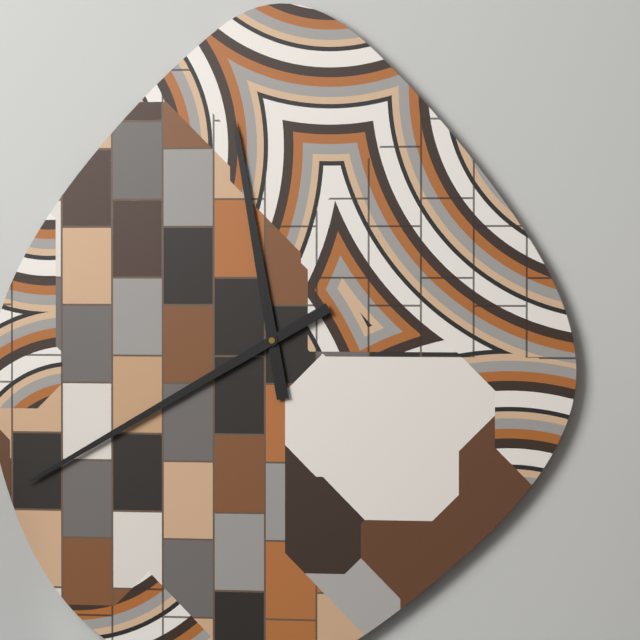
11:40
